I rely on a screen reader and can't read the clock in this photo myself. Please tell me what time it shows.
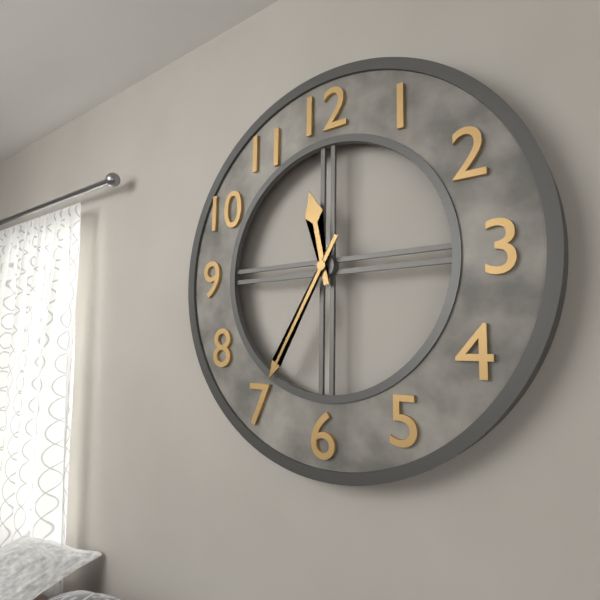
11:35
